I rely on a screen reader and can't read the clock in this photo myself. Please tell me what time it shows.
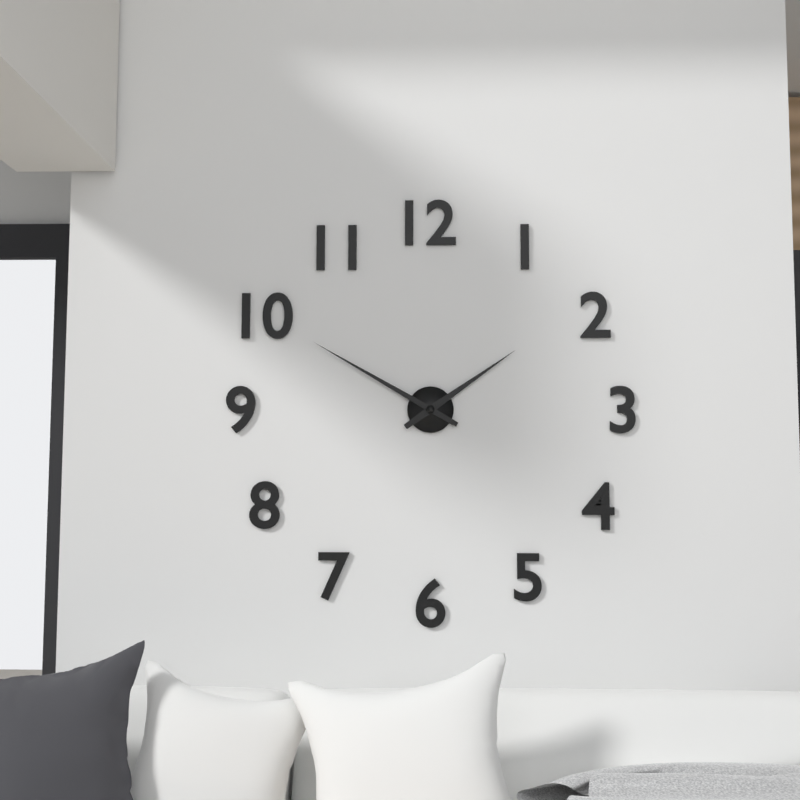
1:50
